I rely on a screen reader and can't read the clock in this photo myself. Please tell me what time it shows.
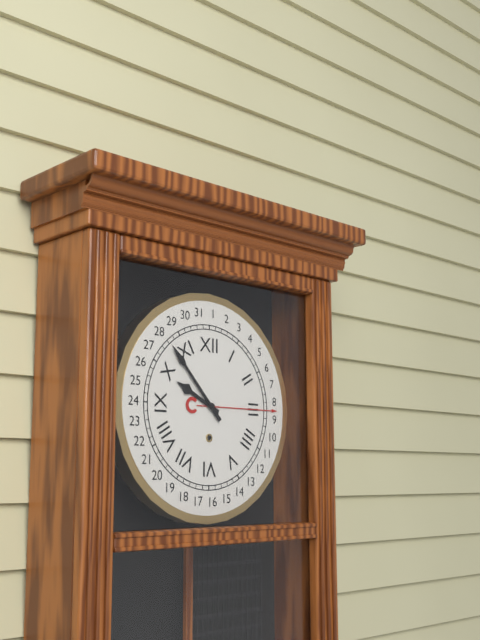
9:53
